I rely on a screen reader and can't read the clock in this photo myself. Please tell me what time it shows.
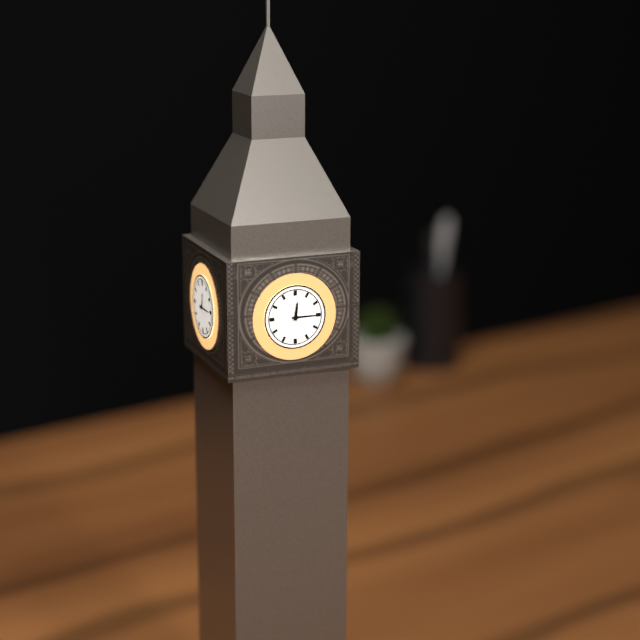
12:15
